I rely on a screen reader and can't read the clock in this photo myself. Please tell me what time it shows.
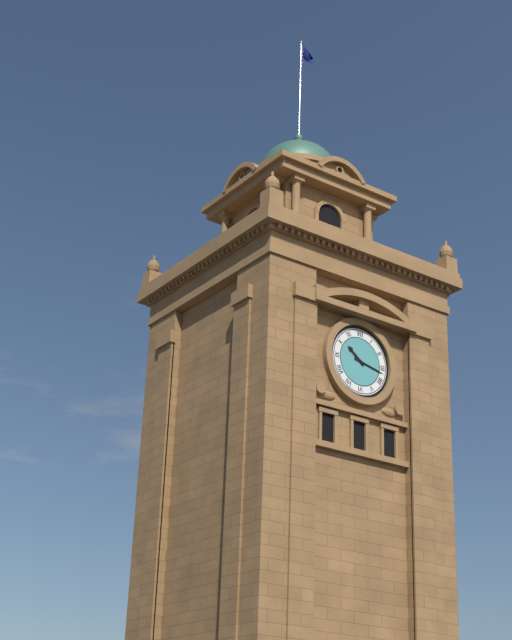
10:17
